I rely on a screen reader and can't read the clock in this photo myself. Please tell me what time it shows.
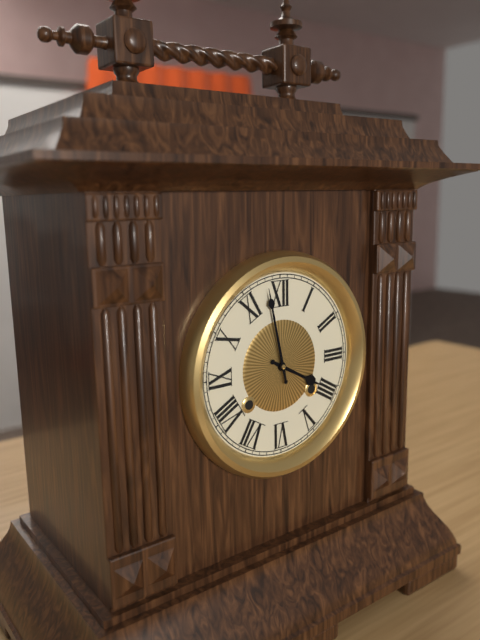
3:58
